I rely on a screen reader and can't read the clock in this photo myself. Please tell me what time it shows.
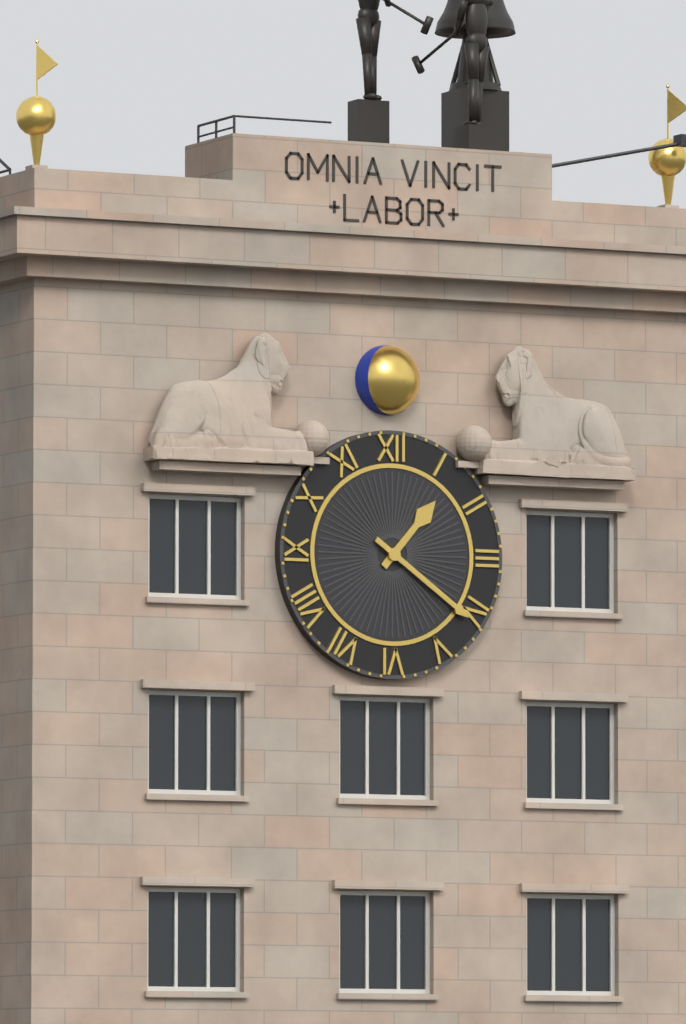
1:21
